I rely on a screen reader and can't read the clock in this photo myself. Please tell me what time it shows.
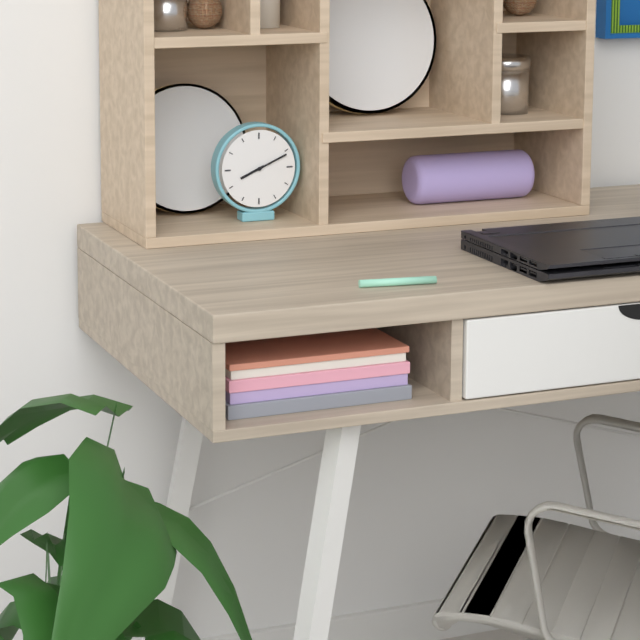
8:11
